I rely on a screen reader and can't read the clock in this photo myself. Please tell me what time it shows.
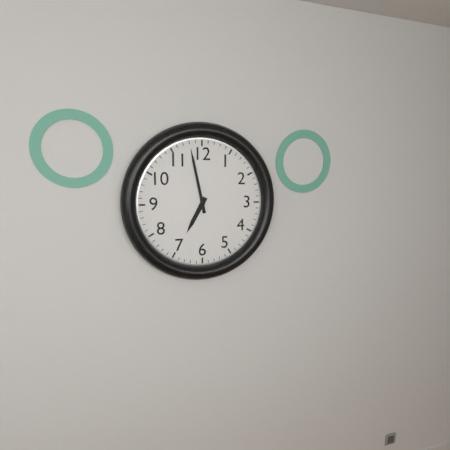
6:58
